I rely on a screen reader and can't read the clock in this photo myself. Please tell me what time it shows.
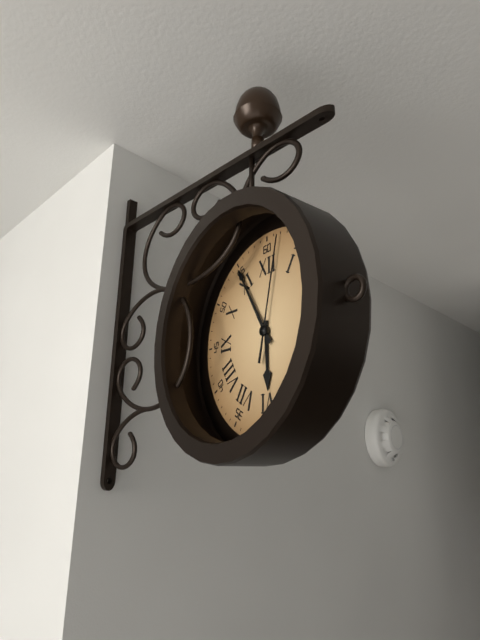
5:55:02
